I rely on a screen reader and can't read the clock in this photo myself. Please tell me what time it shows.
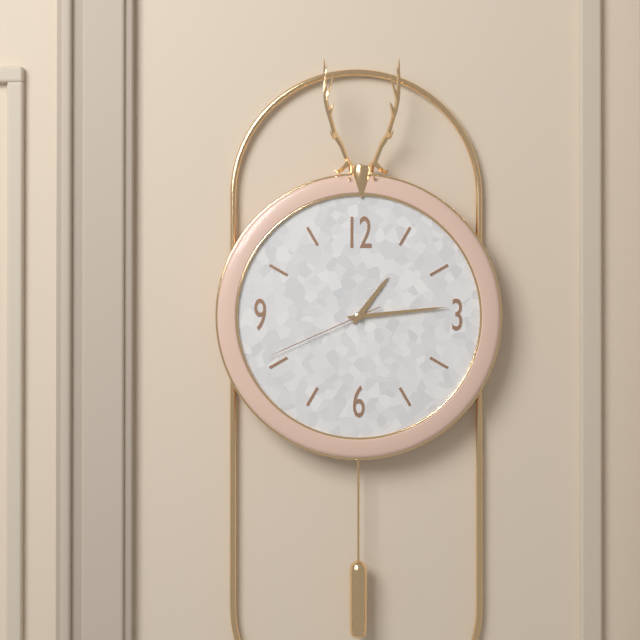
1:14:41
